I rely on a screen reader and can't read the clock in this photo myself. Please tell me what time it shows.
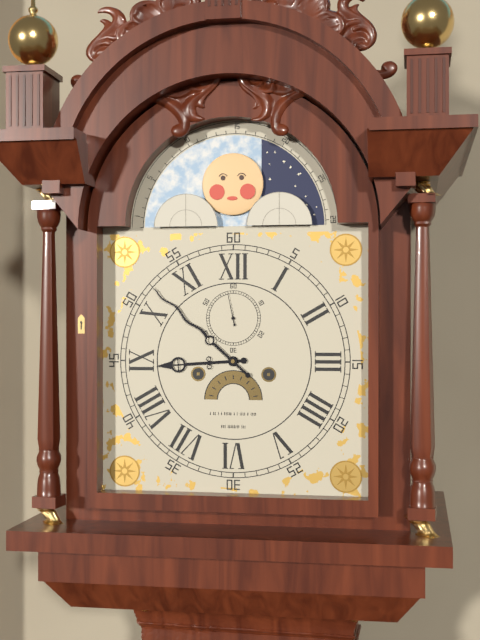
8:52
